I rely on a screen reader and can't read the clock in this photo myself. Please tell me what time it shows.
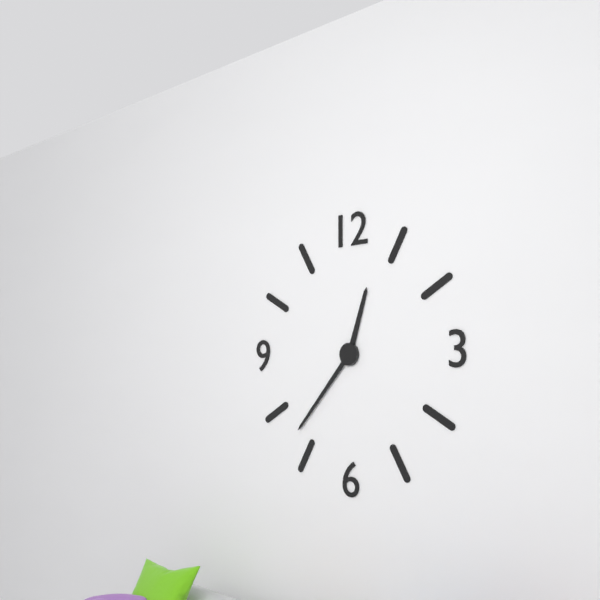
12:37
